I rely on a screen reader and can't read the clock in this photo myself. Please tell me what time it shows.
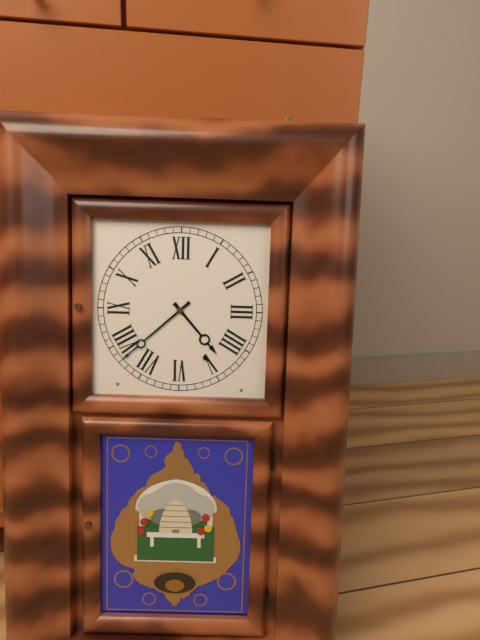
4:38
